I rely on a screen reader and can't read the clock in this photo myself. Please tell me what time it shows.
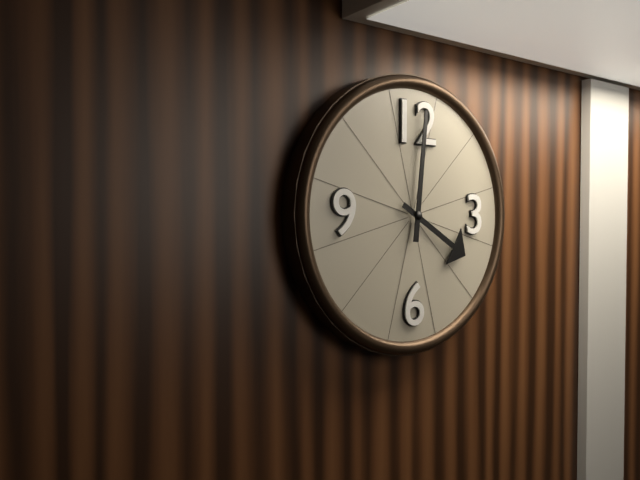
4:01
